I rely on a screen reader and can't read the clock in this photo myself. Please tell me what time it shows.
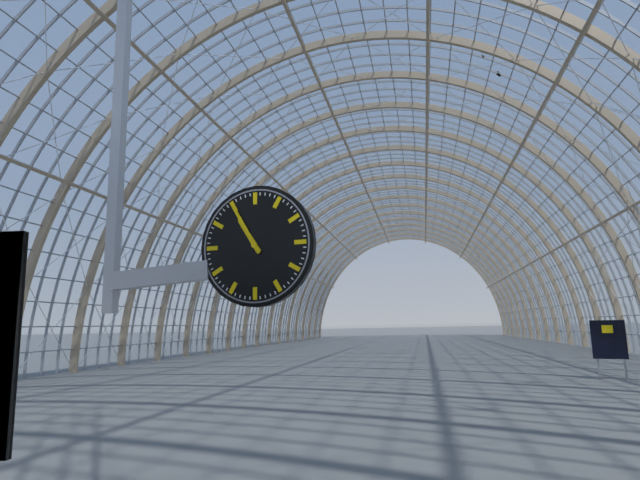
10:55
